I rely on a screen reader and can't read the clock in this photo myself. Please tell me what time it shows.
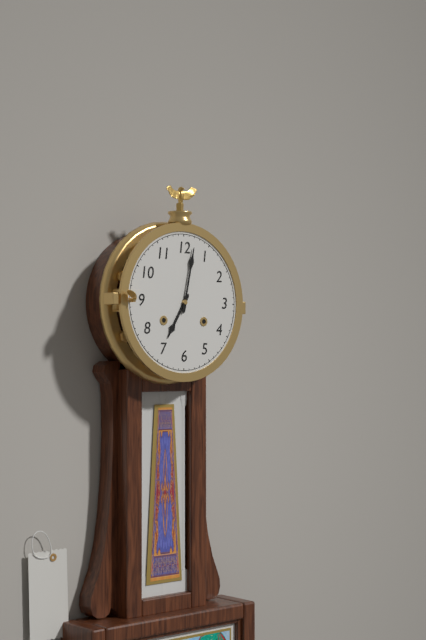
7:02
